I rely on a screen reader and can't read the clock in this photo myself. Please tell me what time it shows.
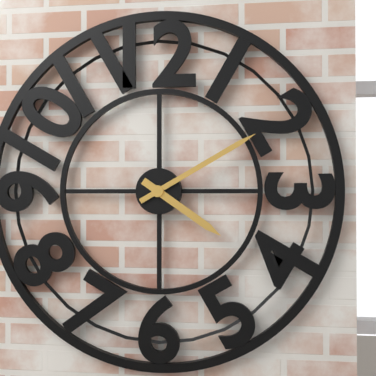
4:10
